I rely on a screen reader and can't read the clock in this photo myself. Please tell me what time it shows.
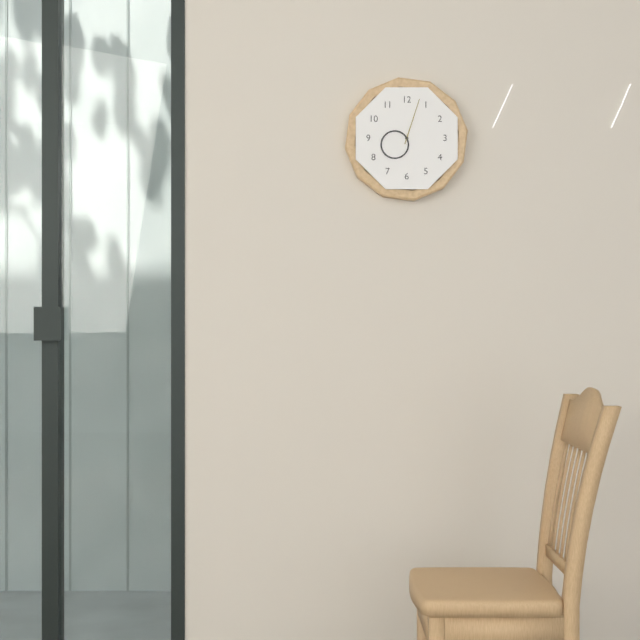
8:03
